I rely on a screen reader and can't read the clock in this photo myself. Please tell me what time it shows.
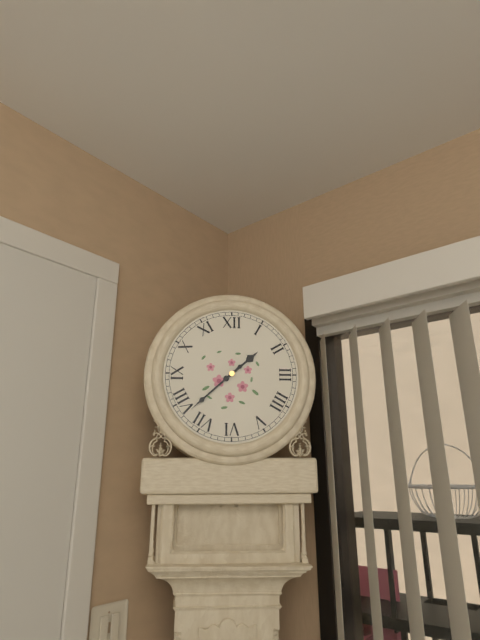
1:38
